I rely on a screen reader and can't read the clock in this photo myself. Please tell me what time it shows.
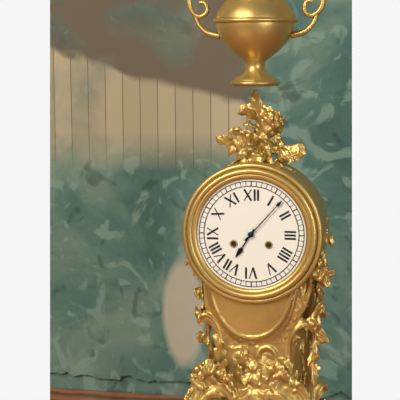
7:07
